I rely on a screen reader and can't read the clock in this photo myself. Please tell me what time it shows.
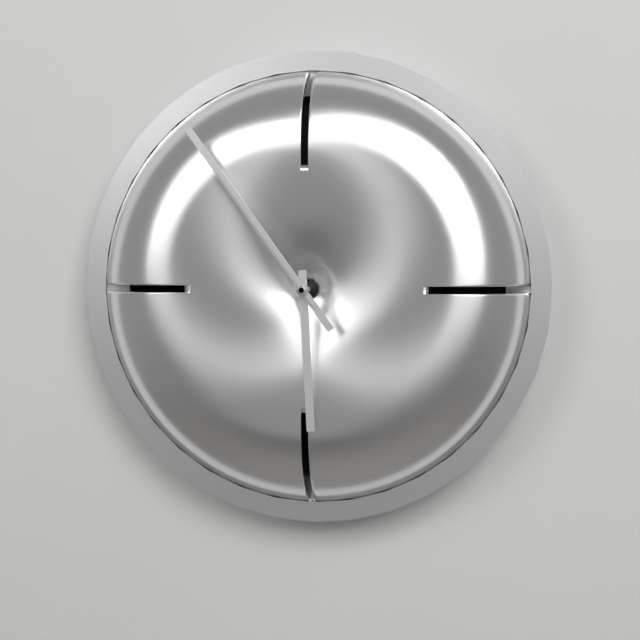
5:54:54
